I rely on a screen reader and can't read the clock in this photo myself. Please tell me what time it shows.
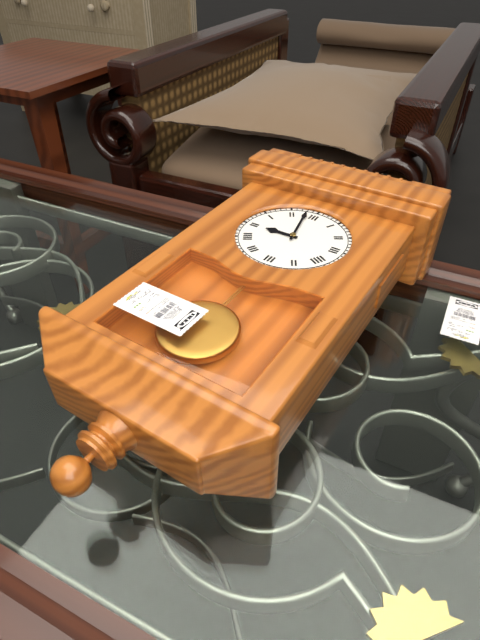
8:58
